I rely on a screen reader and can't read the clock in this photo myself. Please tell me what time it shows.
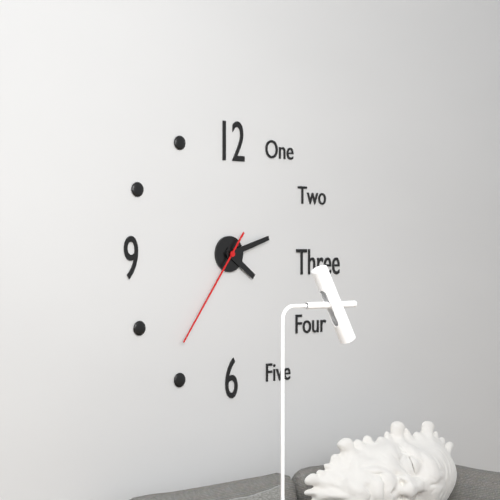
4:12:36
